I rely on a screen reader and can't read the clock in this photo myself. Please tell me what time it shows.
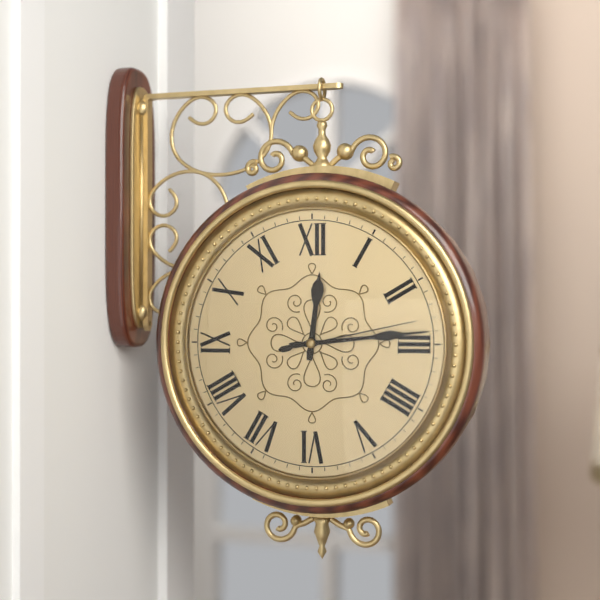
12:14:13
